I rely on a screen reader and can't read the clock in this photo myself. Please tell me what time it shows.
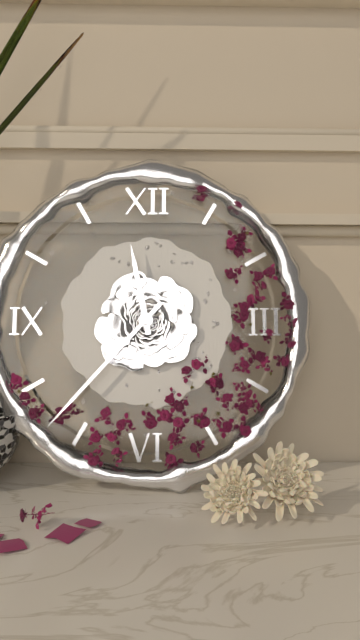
11:37
